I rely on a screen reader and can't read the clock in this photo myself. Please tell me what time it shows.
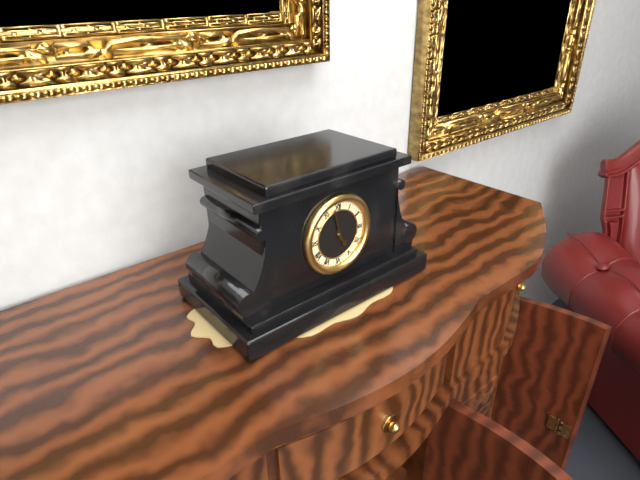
4:58
